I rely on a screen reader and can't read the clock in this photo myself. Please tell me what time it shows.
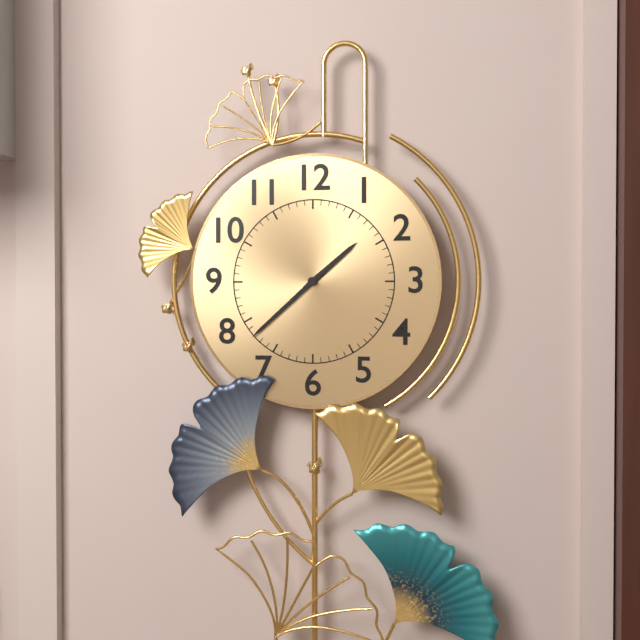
1:38
